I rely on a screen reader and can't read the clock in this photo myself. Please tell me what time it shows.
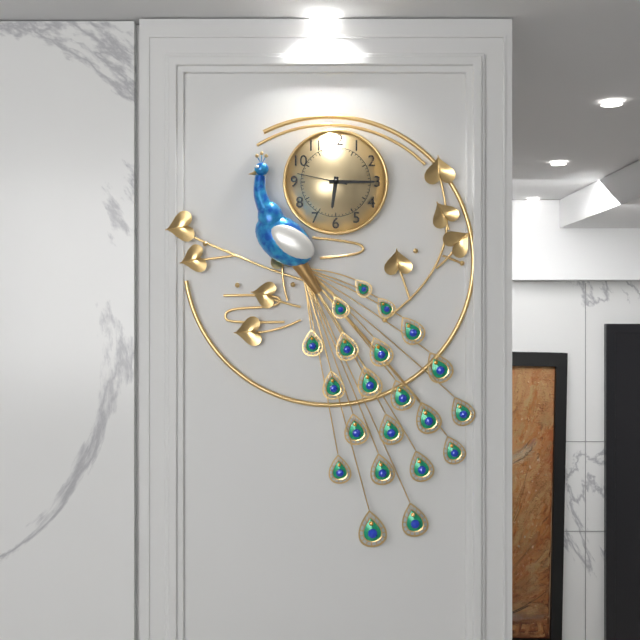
6:15
